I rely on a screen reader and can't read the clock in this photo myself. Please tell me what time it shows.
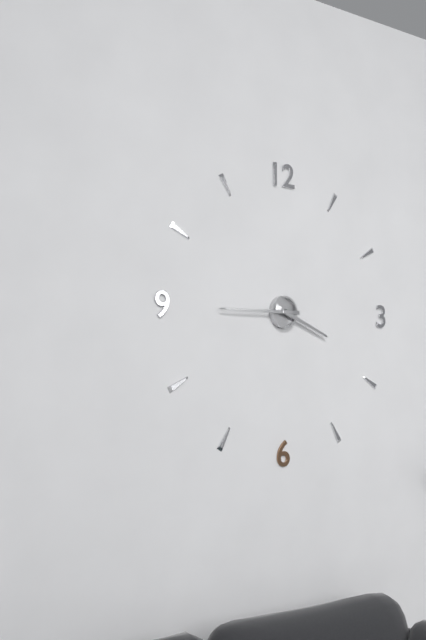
3:45
